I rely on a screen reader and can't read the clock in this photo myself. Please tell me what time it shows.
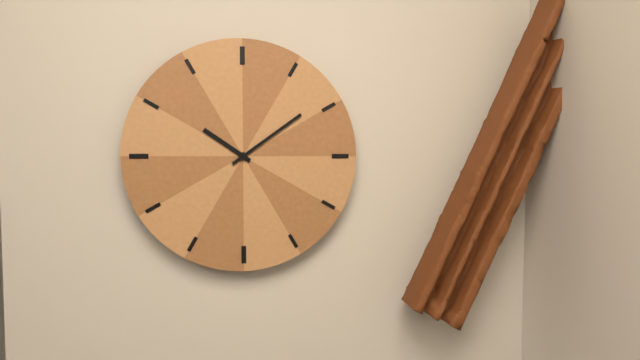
10:09
